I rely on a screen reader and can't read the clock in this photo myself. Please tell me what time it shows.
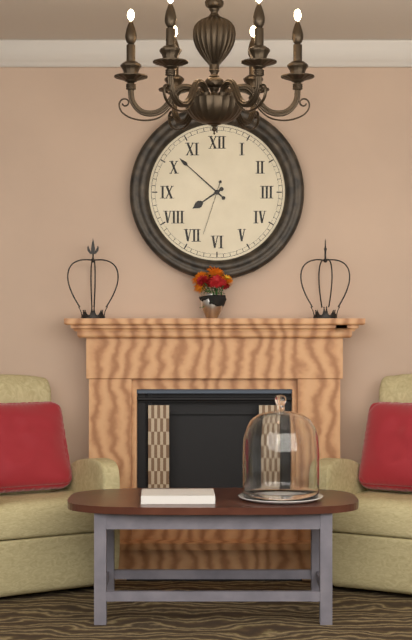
7:52:33
